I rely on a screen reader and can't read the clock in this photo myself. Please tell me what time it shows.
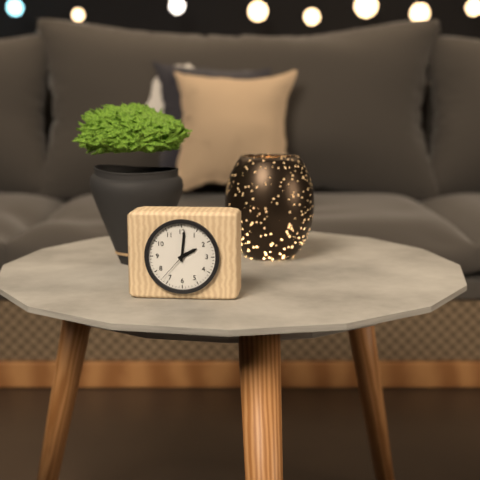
2:01
